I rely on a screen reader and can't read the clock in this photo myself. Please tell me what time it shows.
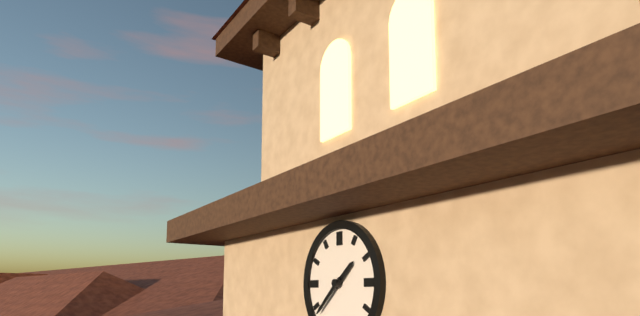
1:38
